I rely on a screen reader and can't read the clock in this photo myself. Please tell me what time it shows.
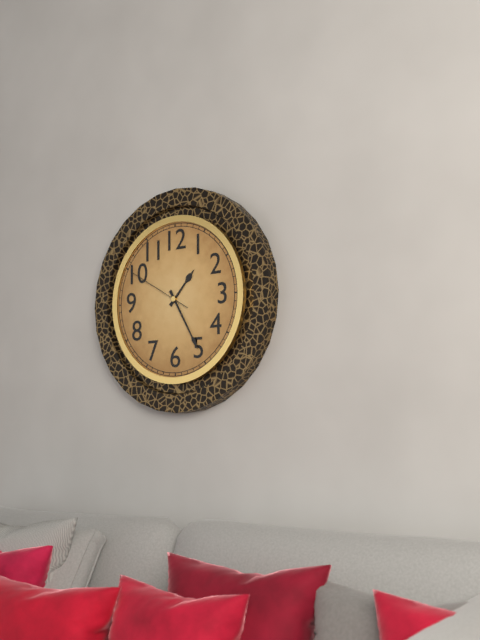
1:25:50
